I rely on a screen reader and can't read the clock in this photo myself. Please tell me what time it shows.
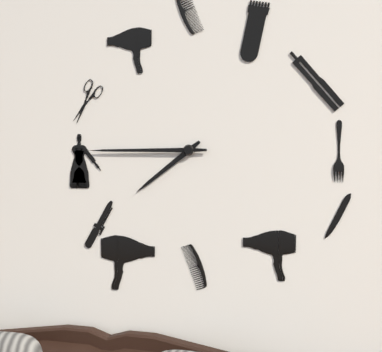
7:45
